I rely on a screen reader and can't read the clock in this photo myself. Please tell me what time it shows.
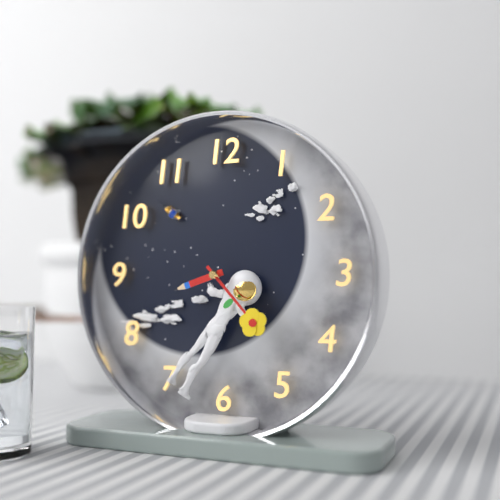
8:23
